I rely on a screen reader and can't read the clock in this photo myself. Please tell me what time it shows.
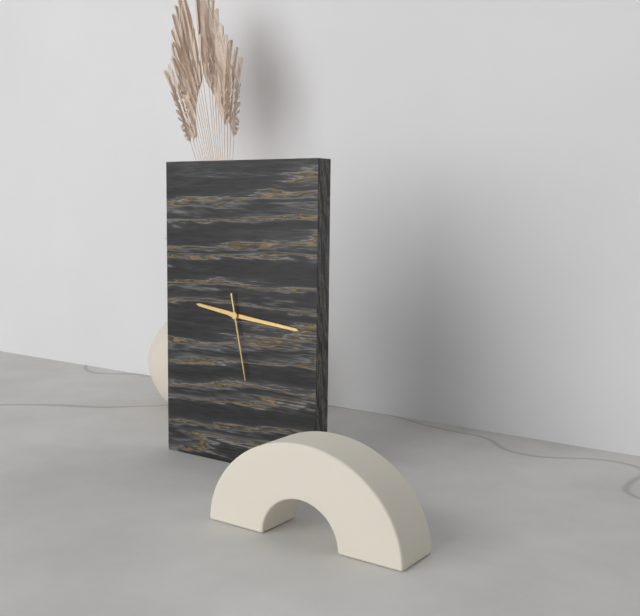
9:16:28
